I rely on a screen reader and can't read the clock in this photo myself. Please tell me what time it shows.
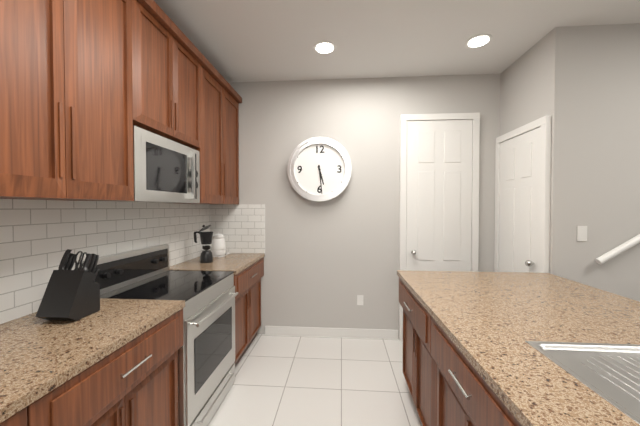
5:29
